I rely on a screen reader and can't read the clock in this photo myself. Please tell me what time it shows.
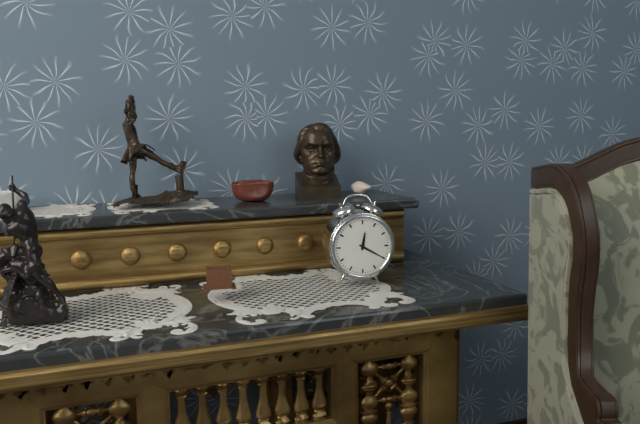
12:20
